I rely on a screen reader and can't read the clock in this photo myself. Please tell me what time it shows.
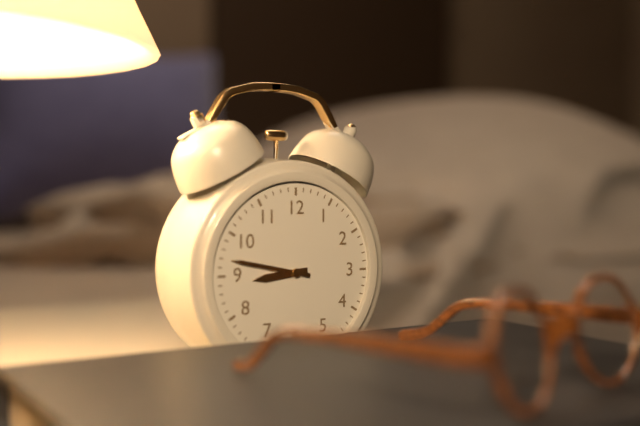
8:47
